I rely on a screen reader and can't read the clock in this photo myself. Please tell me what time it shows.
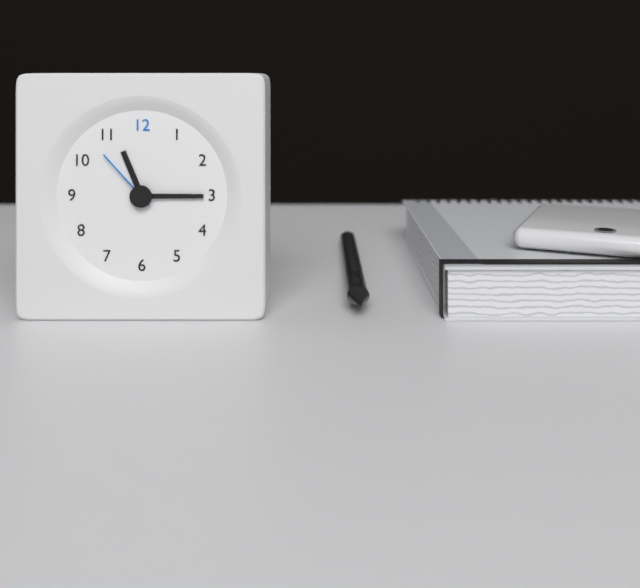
11:15:53
